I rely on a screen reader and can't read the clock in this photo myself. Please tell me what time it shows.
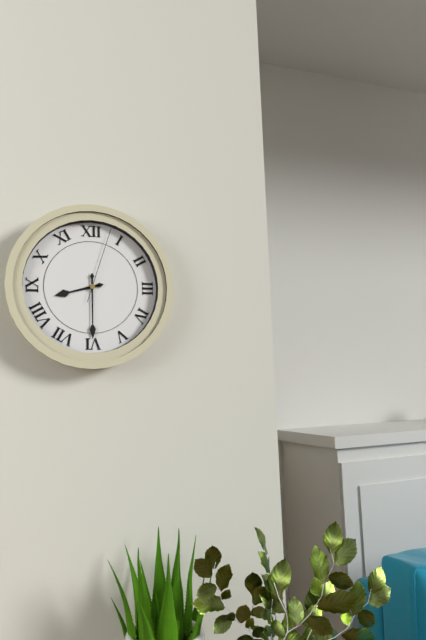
8:30:03
